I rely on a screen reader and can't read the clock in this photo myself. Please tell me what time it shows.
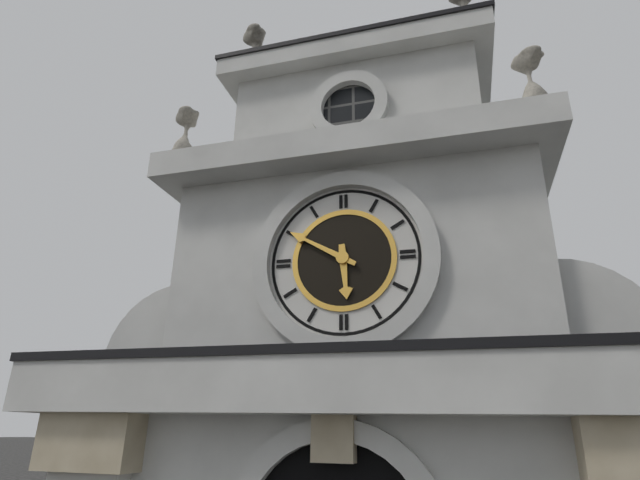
5:50
